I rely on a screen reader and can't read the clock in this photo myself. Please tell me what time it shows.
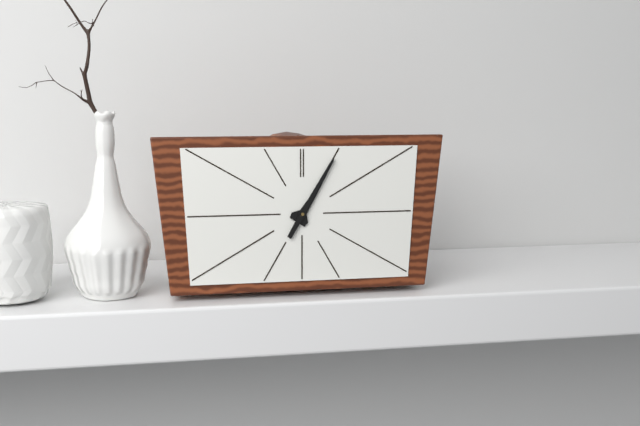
1:05
